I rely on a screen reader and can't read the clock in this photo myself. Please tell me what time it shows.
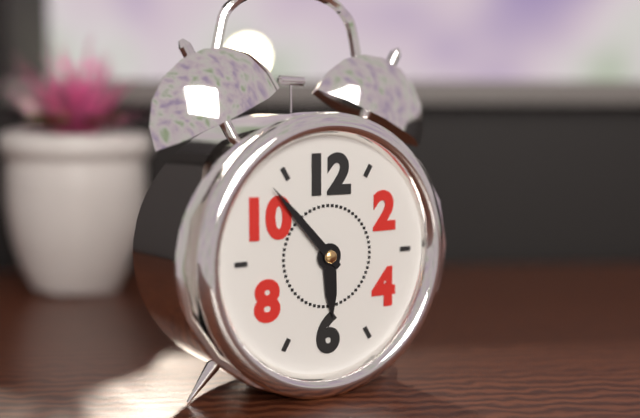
5:53
